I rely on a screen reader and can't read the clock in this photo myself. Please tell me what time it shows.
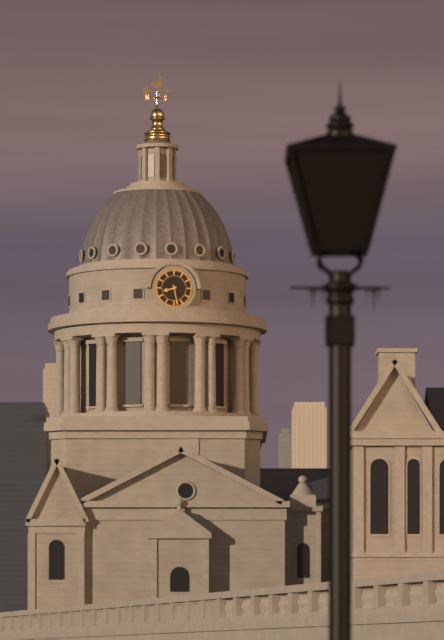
8:28
